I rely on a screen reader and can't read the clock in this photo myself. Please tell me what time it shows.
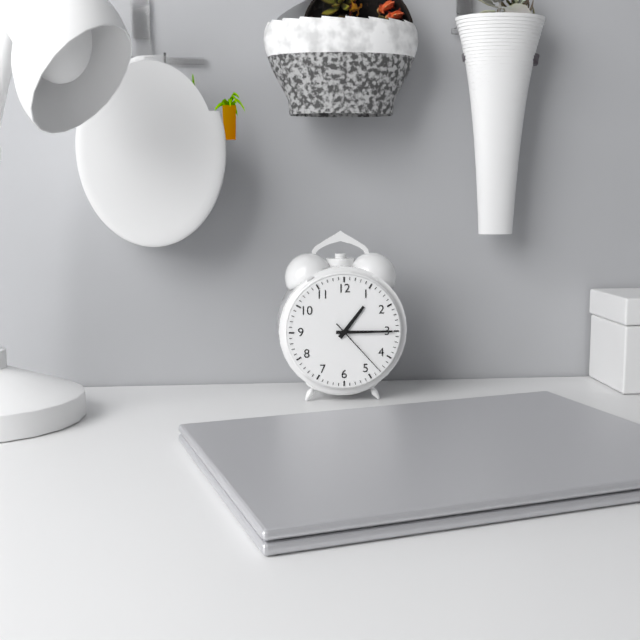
1:15:23
